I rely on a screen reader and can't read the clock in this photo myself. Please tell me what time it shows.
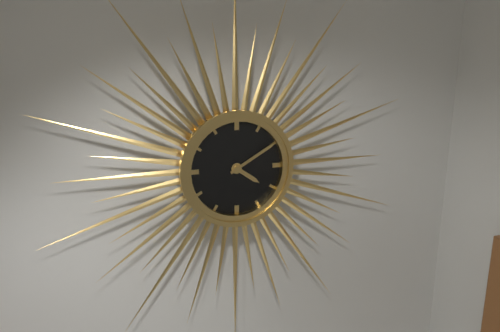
4:10
